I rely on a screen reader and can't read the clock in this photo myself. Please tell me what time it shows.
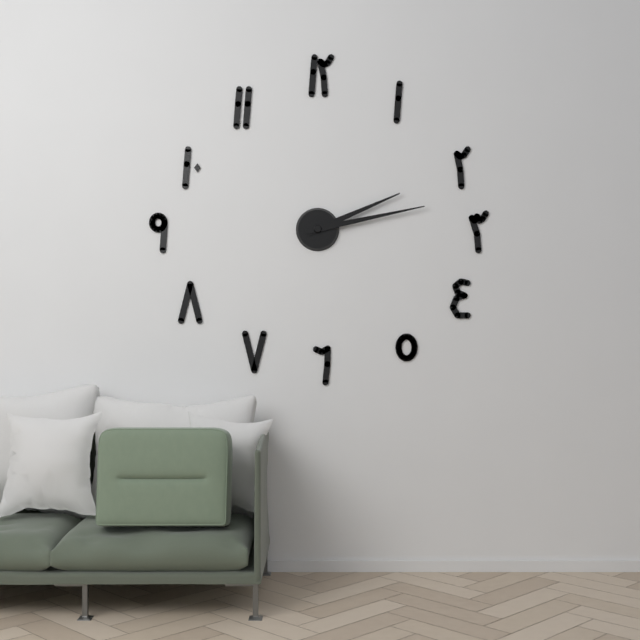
2:13
